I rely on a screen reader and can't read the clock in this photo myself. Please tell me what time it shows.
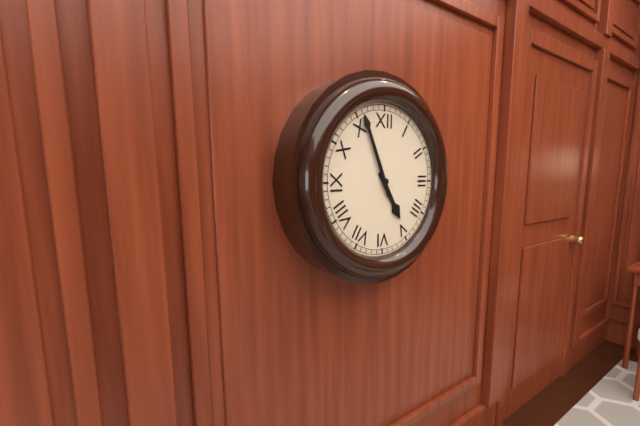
4:56
